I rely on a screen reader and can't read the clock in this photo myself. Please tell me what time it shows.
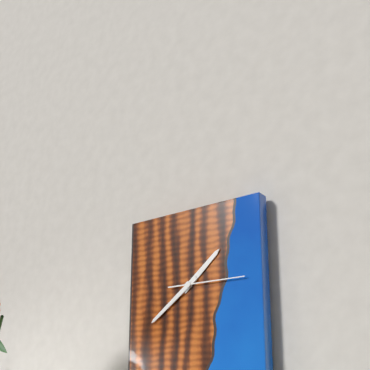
1:39:15
